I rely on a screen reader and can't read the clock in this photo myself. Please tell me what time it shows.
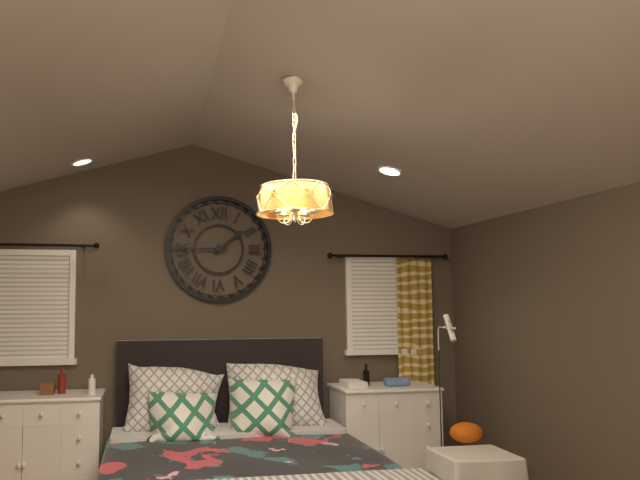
1:45
